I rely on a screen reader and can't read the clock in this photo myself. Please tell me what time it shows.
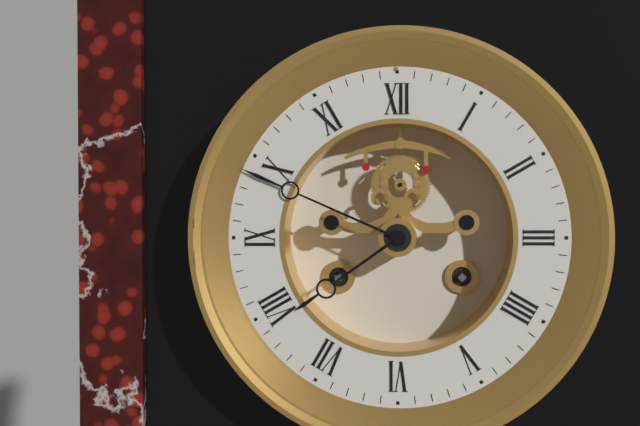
7:49
